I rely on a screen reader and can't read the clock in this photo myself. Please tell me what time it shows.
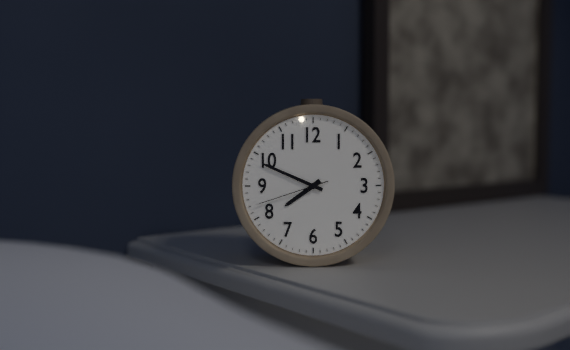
7:49:42
